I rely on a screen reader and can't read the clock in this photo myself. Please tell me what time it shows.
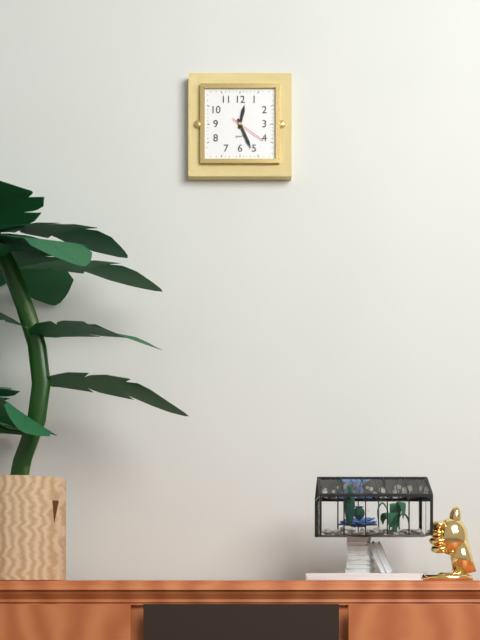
12:26
